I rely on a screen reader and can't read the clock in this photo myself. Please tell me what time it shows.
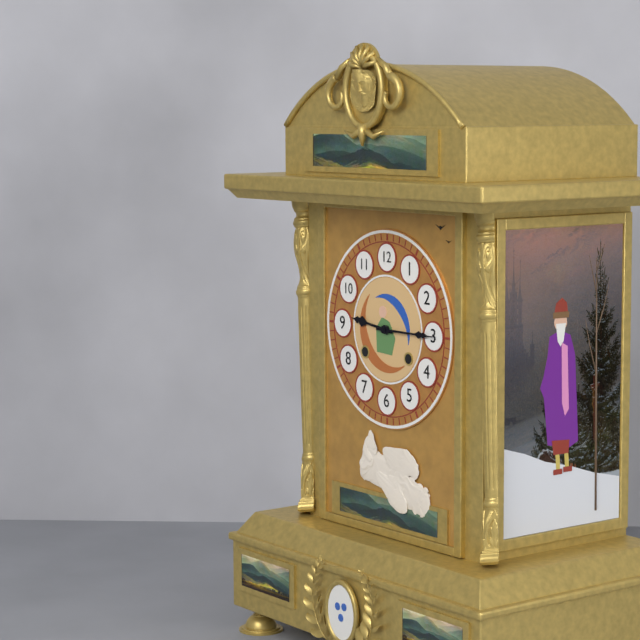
9:15
